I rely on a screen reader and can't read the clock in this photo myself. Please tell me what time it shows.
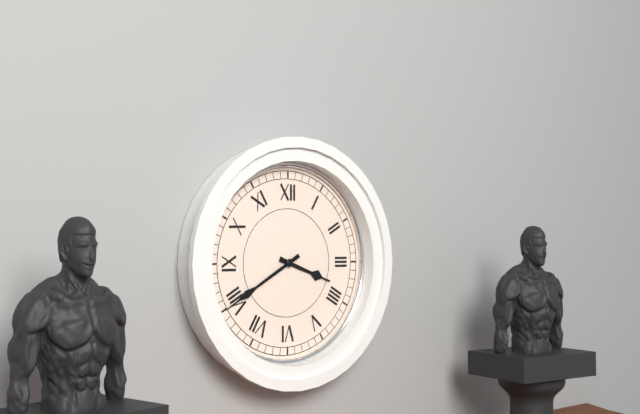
3:40
